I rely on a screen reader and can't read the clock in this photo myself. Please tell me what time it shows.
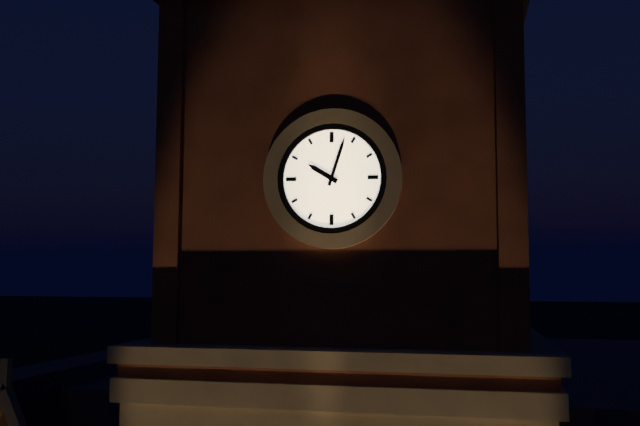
10:03
